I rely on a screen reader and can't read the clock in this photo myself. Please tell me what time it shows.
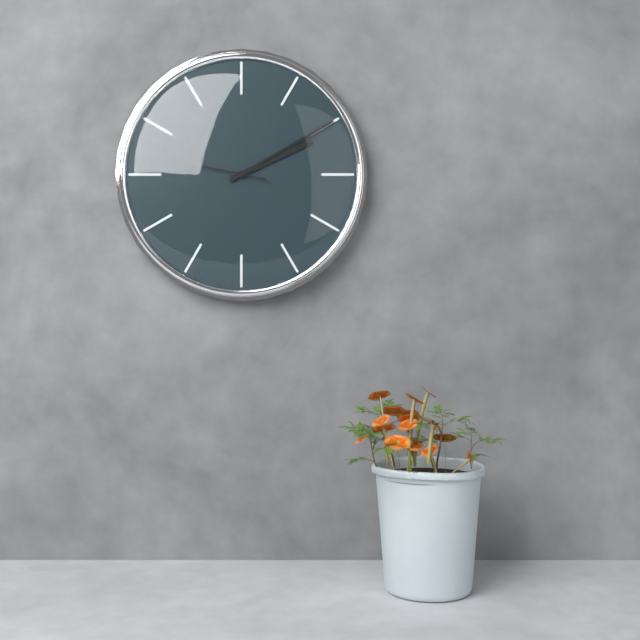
2:10:47
